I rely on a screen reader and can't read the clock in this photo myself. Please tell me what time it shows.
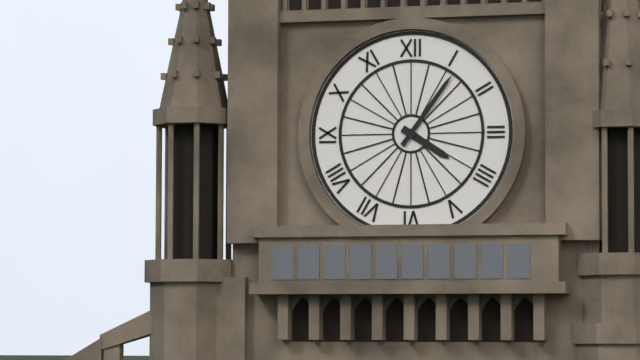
4:06
